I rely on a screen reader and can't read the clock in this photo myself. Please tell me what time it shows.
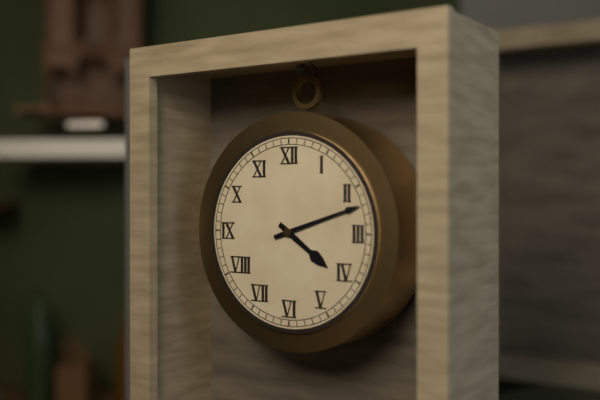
4:12
